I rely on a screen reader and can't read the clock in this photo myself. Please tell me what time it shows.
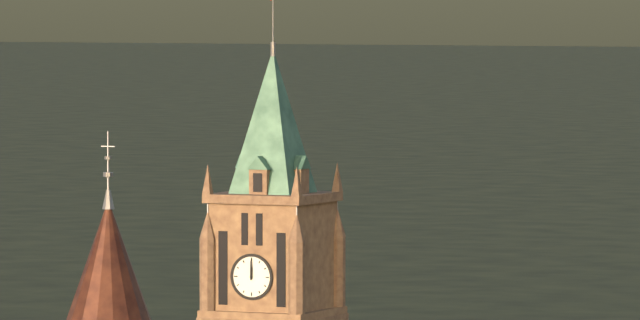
12:00
